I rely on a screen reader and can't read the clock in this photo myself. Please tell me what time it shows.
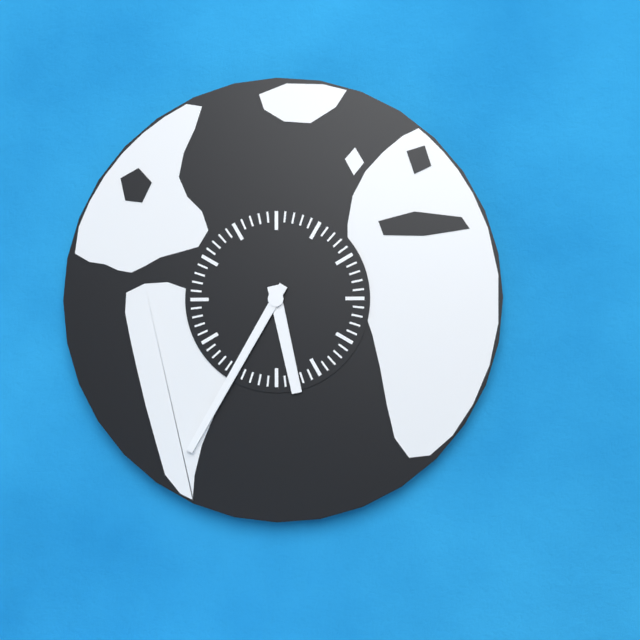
5:35
